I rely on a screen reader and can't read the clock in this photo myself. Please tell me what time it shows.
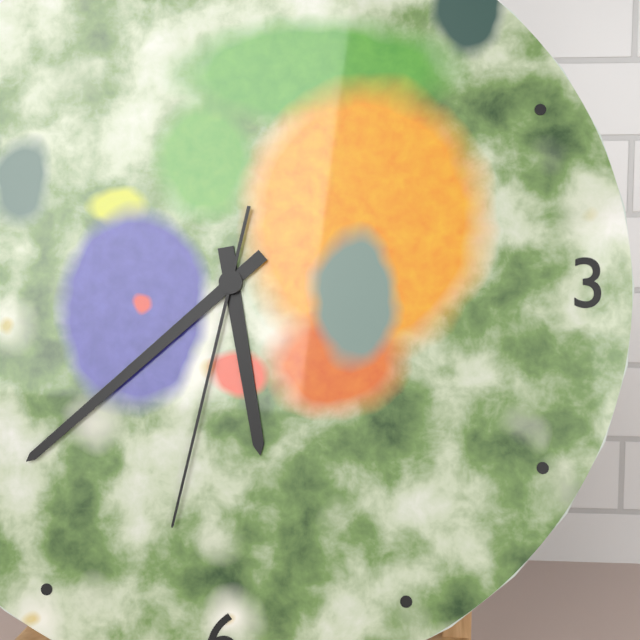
5:38:32
